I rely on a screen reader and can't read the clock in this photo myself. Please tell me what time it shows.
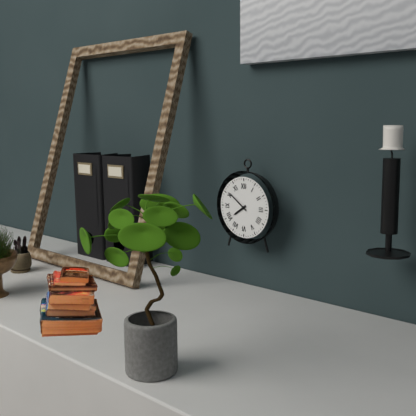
7:51
